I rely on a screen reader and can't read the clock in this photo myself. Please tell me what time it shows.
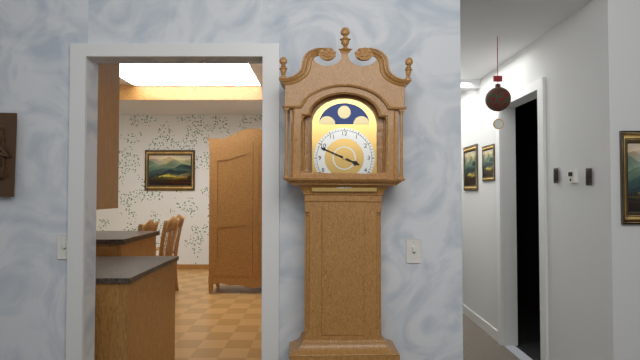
3:49
